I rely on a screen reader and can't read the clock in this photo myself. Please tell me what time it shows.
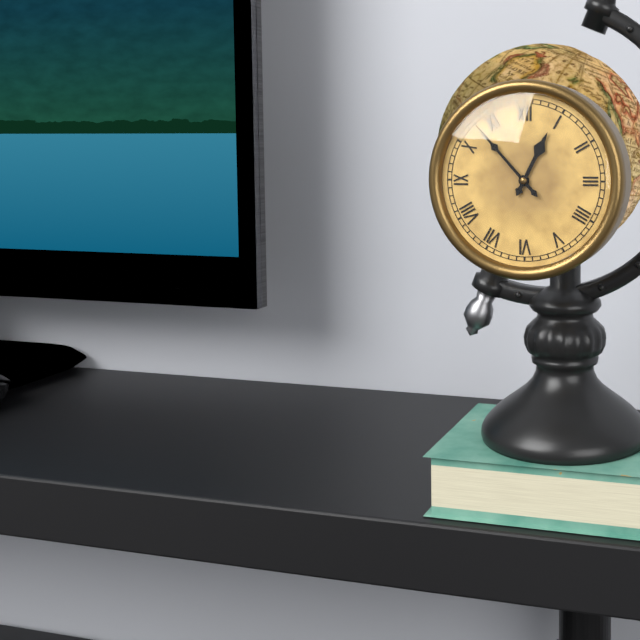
12:53
